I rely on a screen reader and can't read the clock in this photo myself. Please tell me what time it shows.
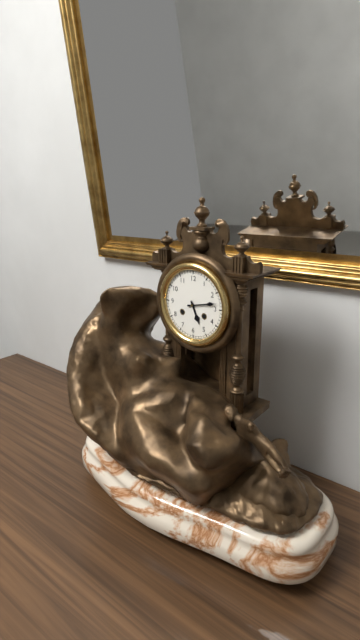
5:13
